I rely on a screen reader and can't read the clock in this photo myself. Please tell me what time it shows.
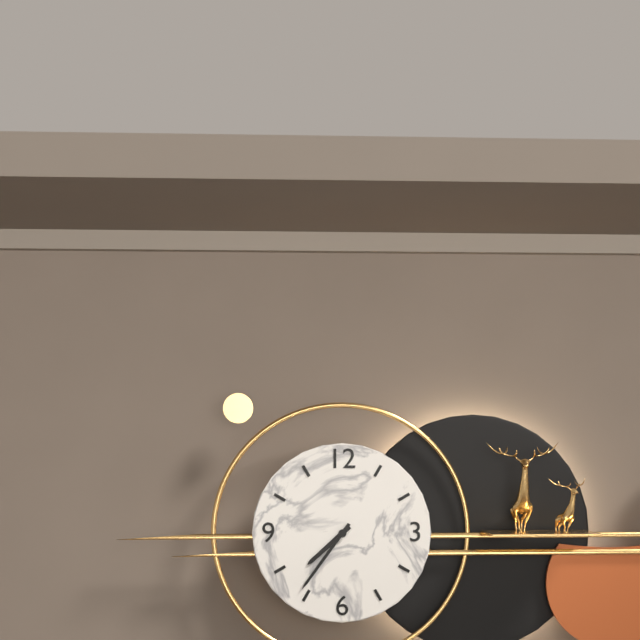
7:36
